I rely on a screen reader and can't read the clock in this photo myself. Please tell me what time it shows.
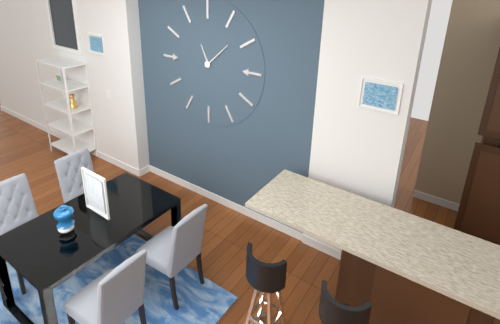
11:08
